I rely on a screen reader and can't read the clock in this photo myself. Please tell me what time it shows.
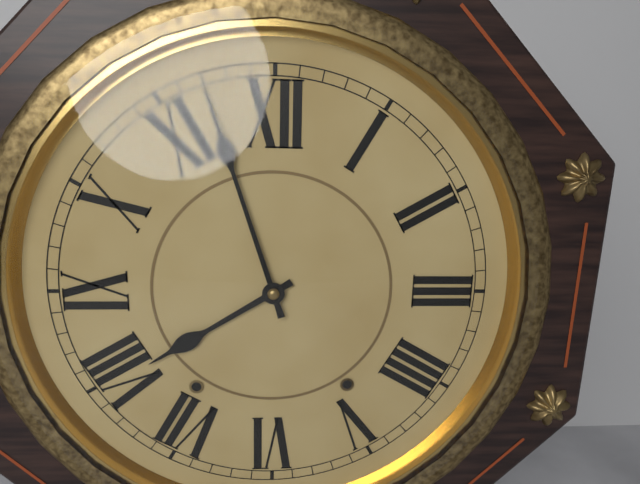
7:57
